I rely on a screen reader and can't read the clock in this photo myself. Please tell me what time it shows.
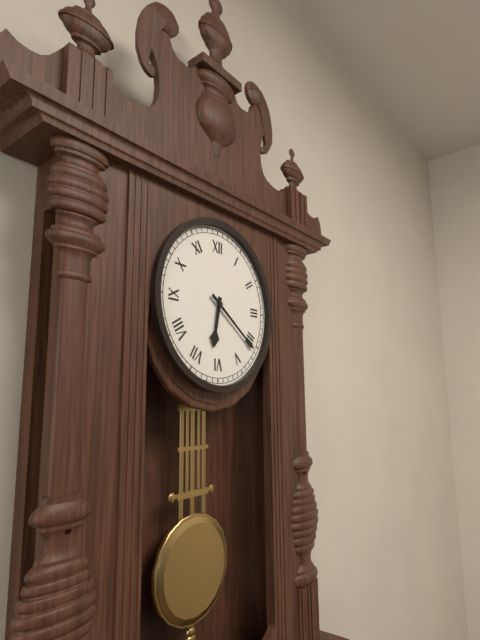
6:21
